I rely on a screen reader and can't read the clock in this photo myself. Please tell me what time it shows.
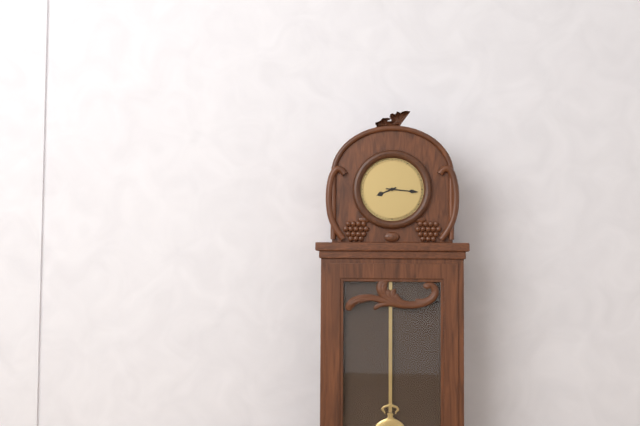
8:16
